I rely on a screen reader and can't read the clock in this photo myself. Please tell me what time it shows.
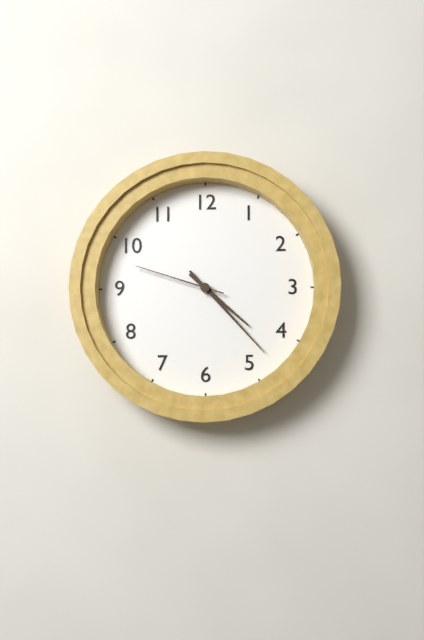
4:23:48
